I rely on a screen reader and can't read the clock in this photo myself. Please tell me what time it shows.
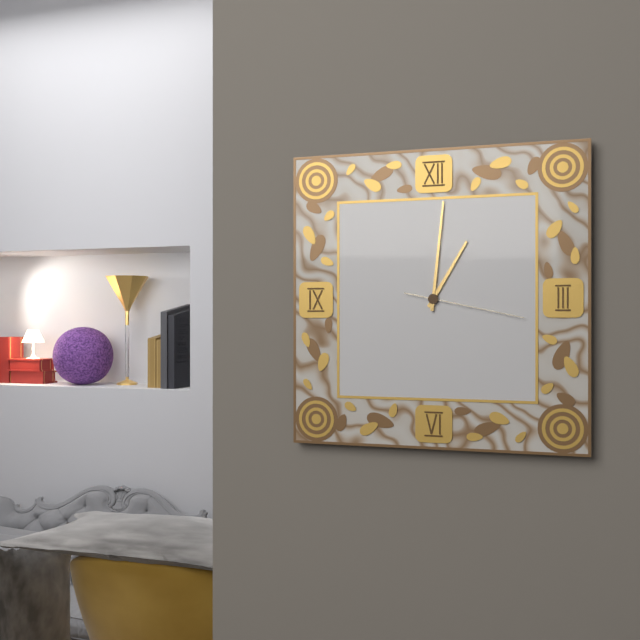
1:01:17
